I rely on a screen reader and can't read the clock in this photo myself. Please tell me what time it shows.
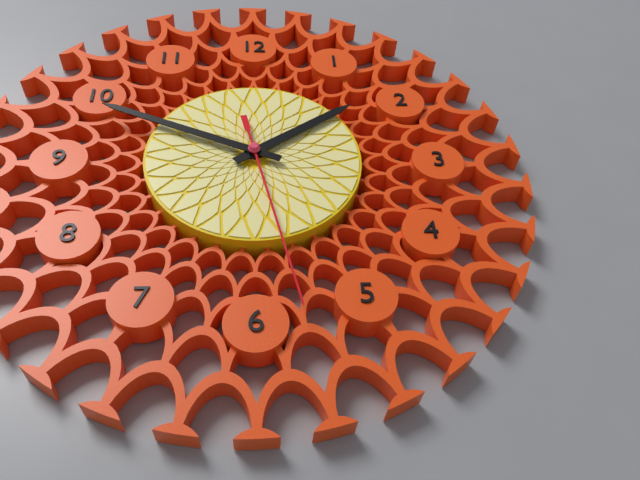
1:49:28
